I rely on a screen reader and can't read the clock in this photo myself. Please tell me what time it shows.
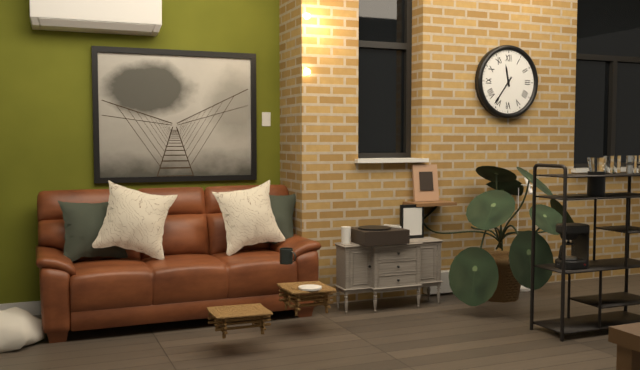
11:36
